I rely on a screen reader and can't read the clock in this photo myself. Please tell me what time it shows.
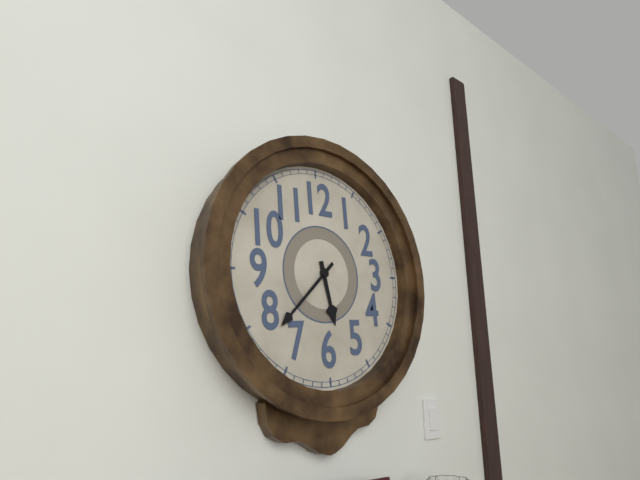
5:38
